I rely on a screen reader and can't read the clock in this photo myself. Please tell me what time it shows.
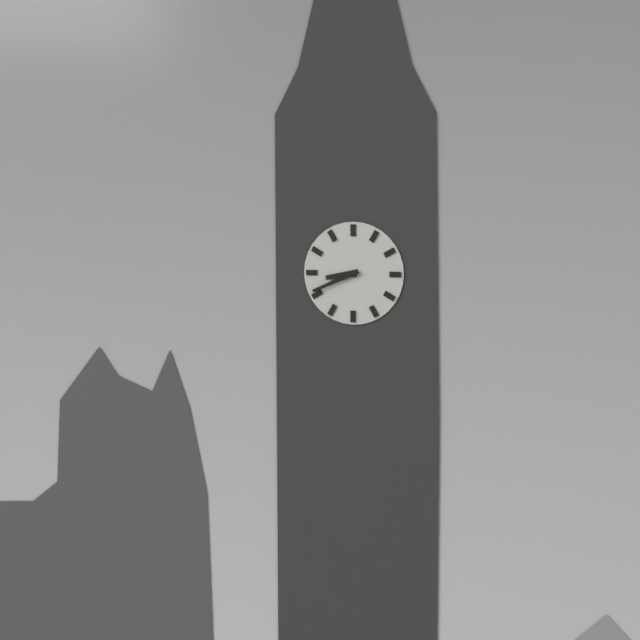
8:41
